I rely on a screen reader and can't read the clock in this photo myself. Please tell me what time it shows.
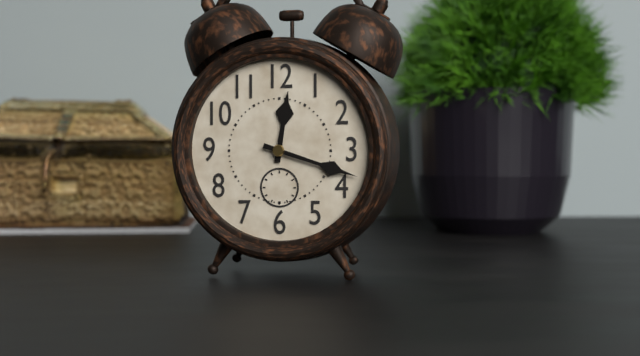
12:18
